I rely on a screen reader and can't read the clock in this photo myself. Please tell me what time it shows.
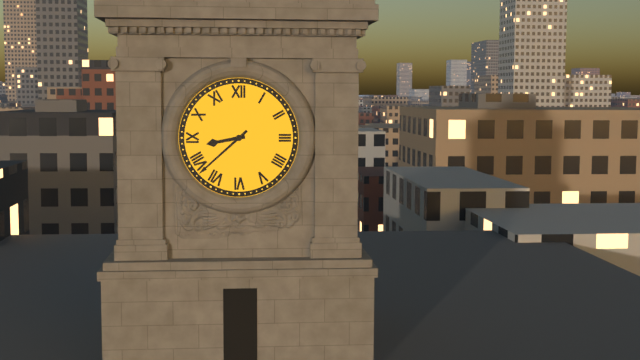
8:38
